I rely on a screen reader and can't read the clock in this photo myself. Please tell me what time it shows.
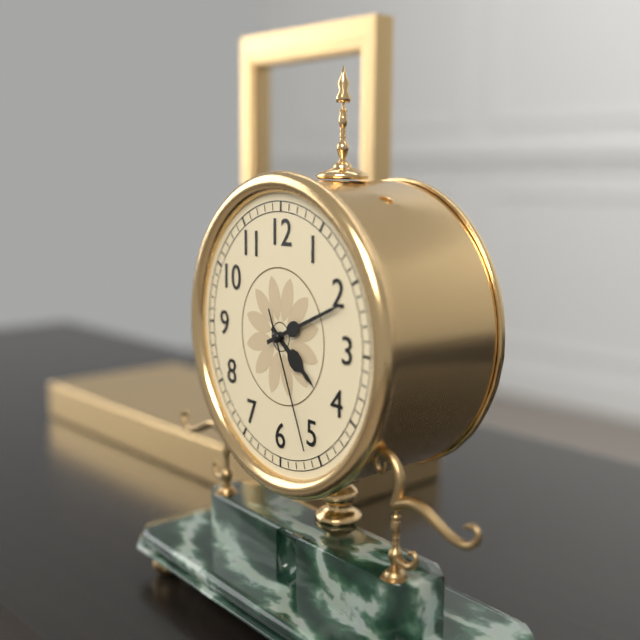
4:11:26
